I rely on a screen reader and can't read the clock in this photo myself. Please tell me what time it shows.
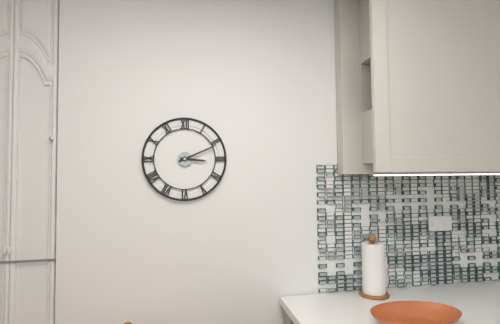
3:11
